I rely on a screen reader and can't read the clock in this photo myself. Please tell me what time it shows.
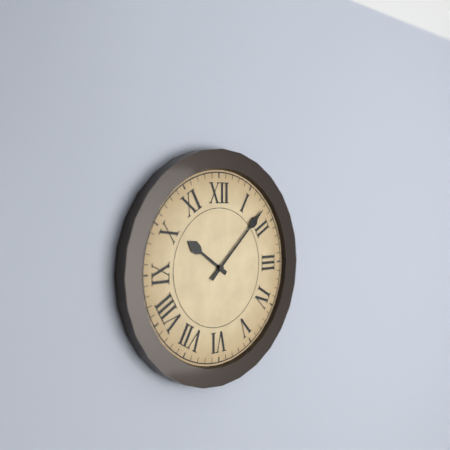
10:08
